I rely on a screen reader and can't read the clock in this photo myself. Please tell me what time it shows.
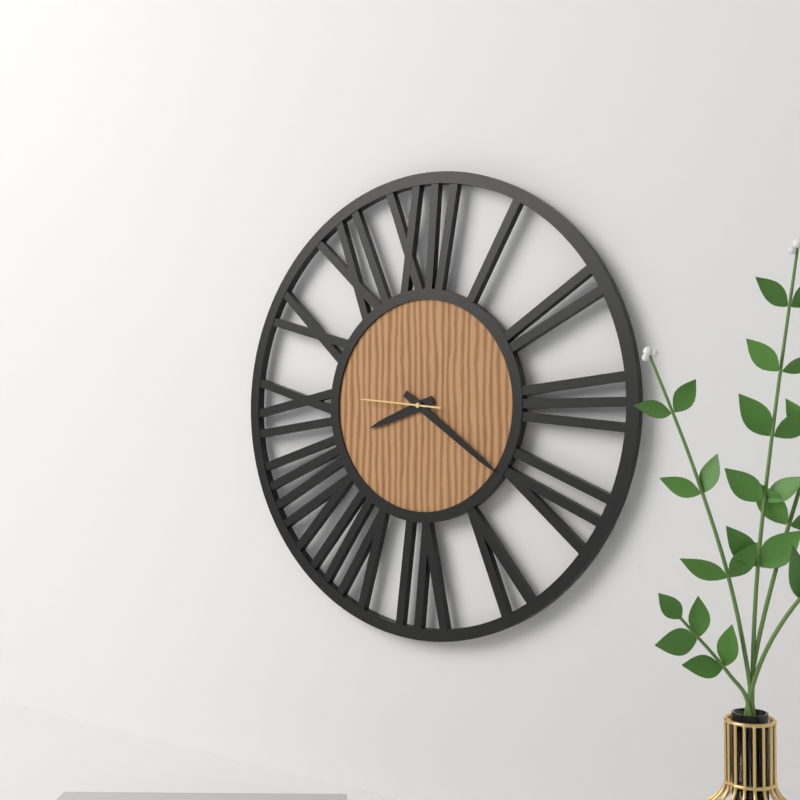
8:21:46
